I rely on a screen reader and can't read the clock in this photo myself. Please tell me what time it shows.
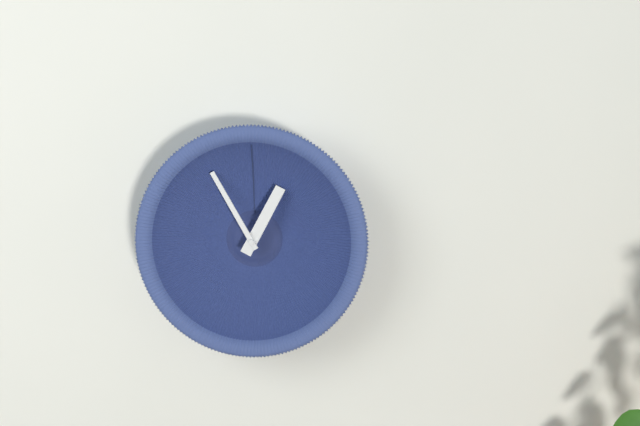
12:55
